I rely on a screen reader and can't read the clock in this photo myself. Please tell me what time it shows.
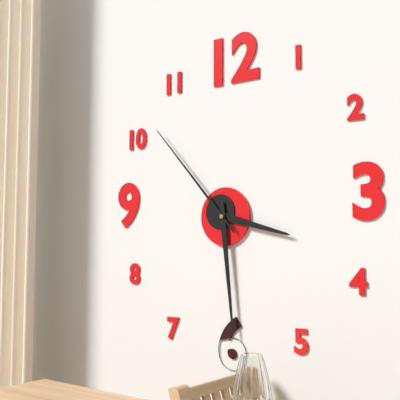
3:29:53
